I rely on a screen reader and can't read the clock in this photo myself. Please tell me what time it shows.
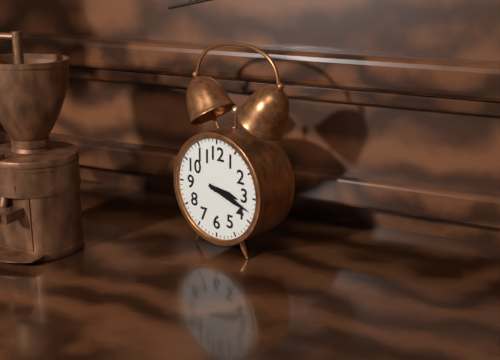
3:18
